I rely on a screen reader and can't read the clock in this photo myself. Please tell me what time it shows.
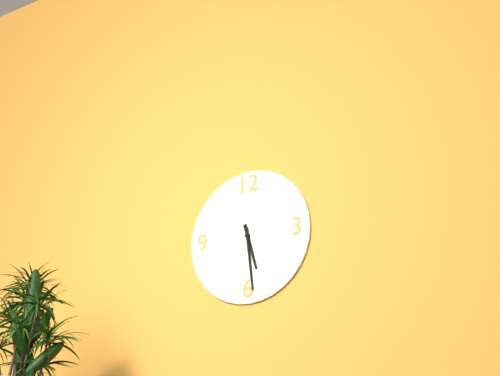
5:29
